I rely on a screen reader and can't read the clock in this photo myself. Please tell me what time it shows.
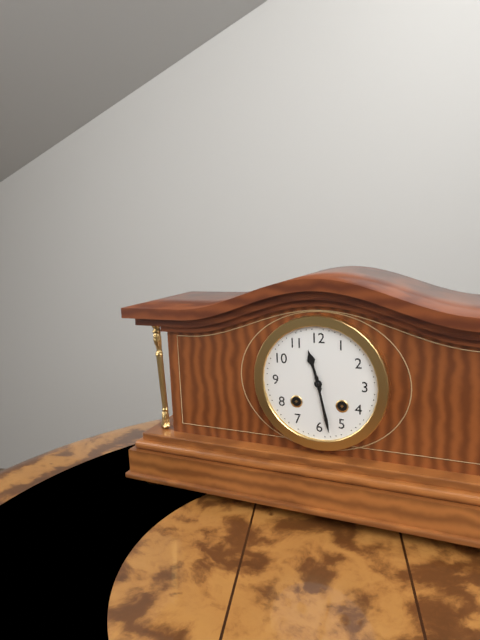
11:28
